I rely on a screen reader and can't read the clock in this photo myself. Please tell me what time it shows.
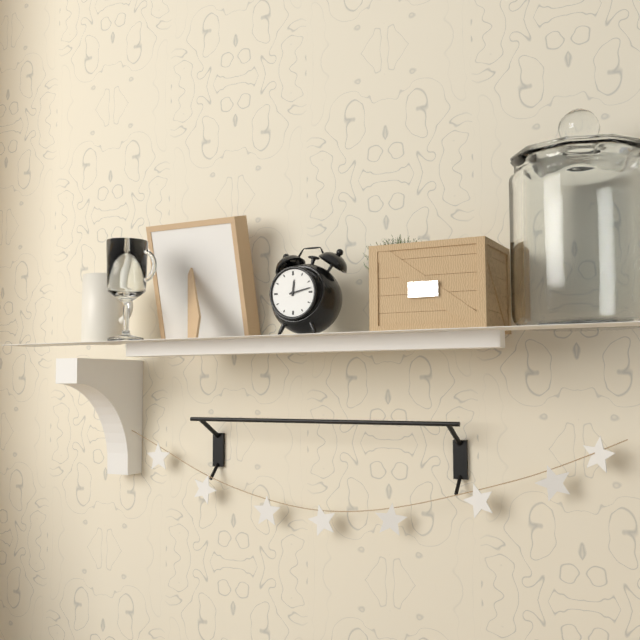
12:13
